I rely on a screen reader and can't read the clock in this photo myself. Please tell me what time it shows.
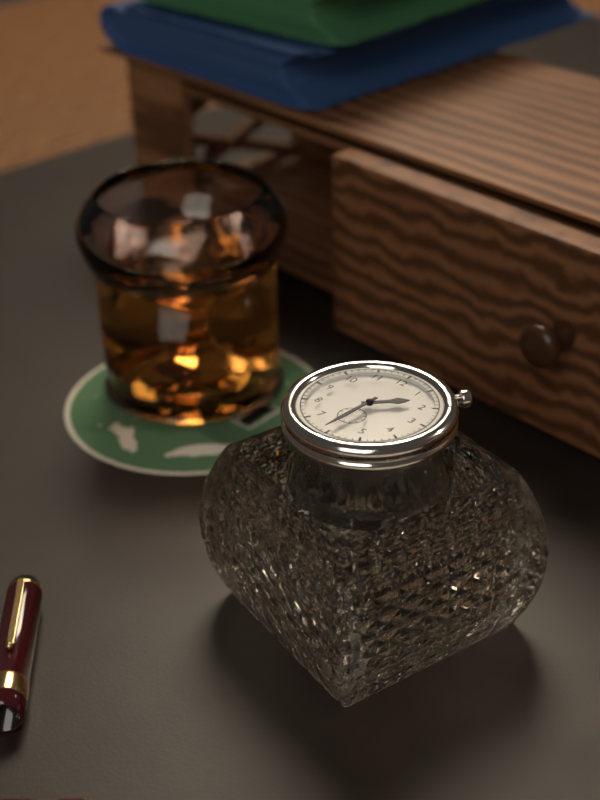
1:31
